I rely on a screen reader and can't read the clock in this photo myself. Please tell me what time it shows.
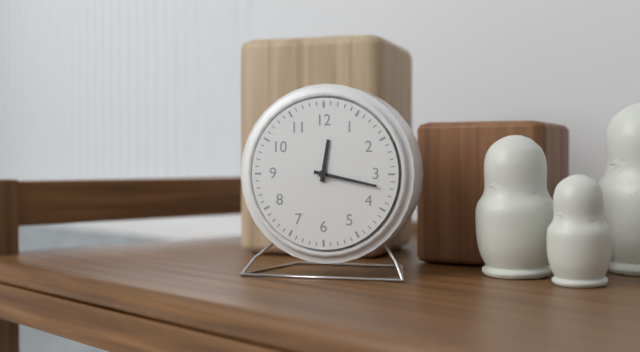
12:17
